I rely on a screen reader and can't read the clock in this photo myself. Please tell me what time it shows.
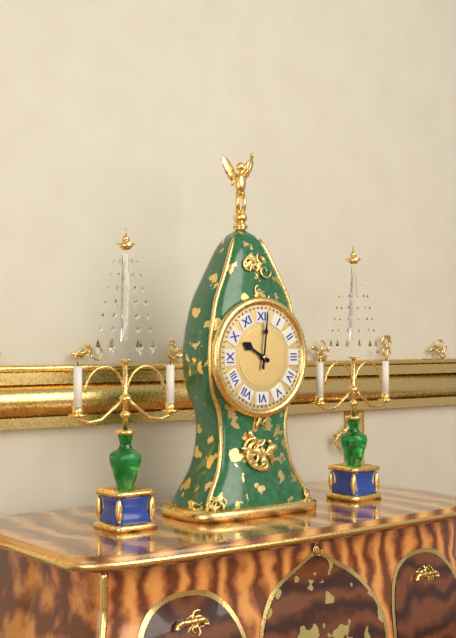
10:01
